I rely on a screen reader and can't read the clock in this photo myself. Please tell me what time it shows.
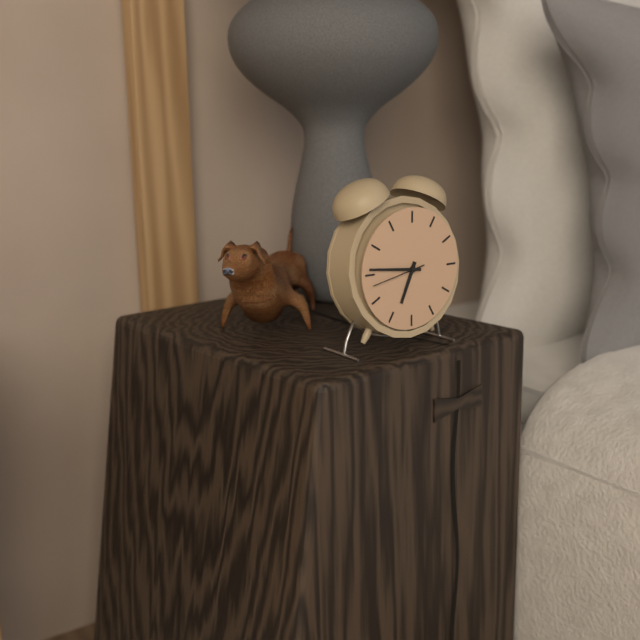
6:46:43
